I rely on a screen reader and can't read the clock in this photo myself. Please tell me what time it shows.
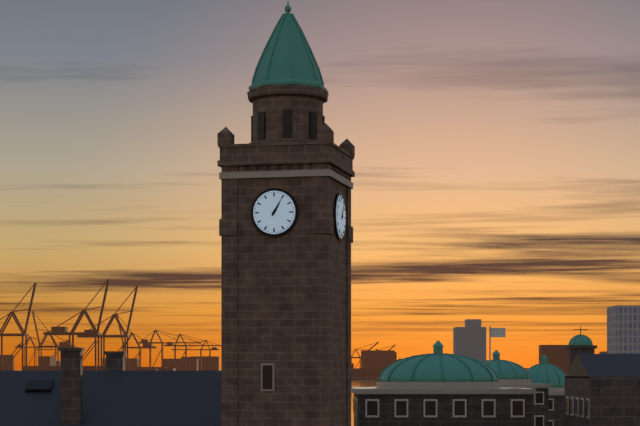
1:05
